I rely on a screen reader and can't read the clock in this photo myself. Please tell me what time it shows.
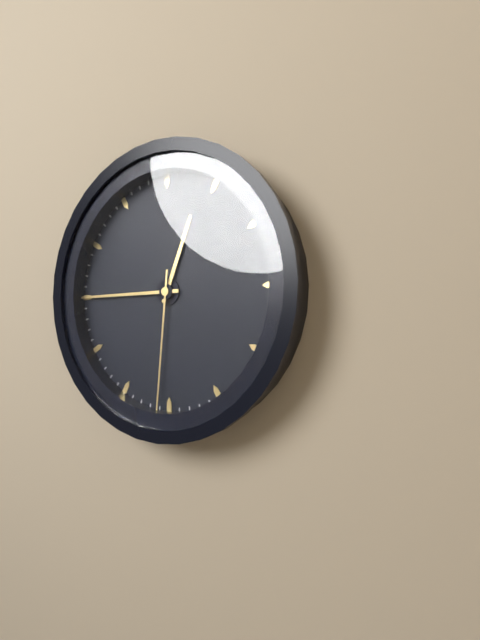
12:45:31
